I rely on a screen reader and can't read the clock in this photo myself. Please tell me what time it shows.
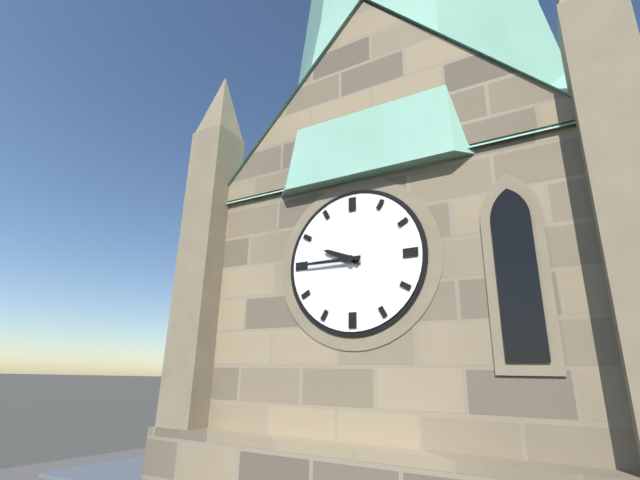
9:45
